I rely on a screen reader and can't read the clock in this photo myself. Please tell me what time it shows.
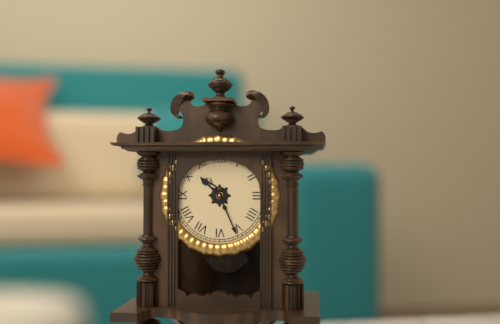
10:26
